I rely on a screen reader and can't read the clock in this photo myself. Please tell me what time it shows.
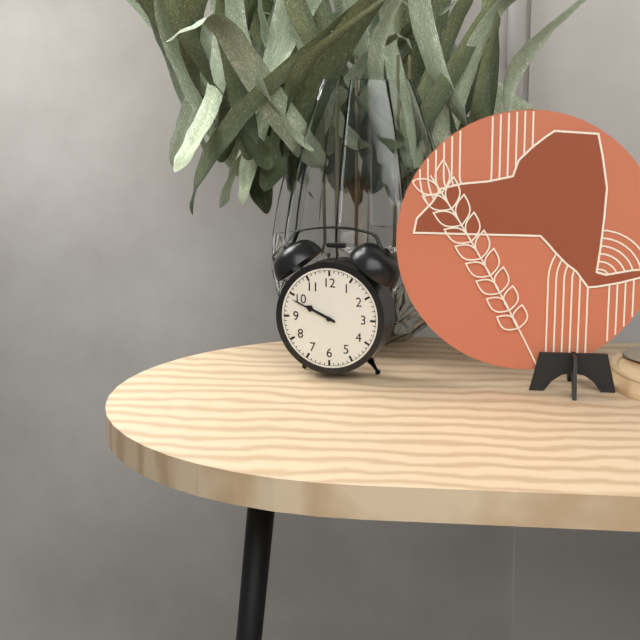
9:49
